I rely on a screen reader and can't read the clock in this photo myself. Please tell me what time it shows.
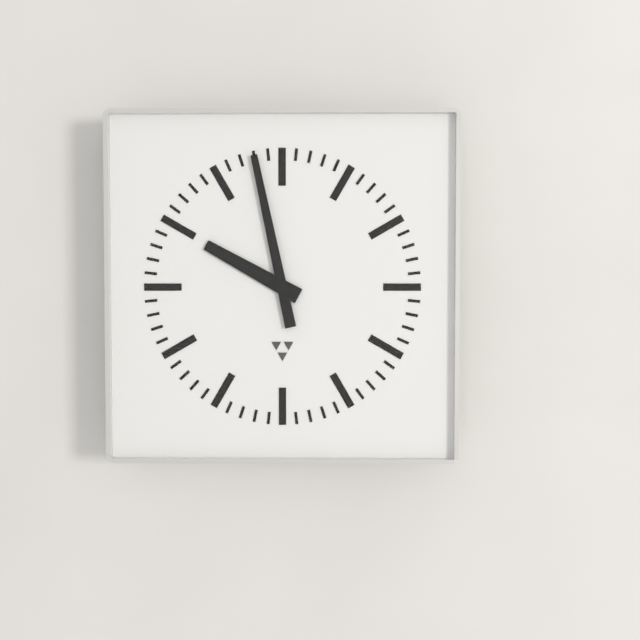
9:58
